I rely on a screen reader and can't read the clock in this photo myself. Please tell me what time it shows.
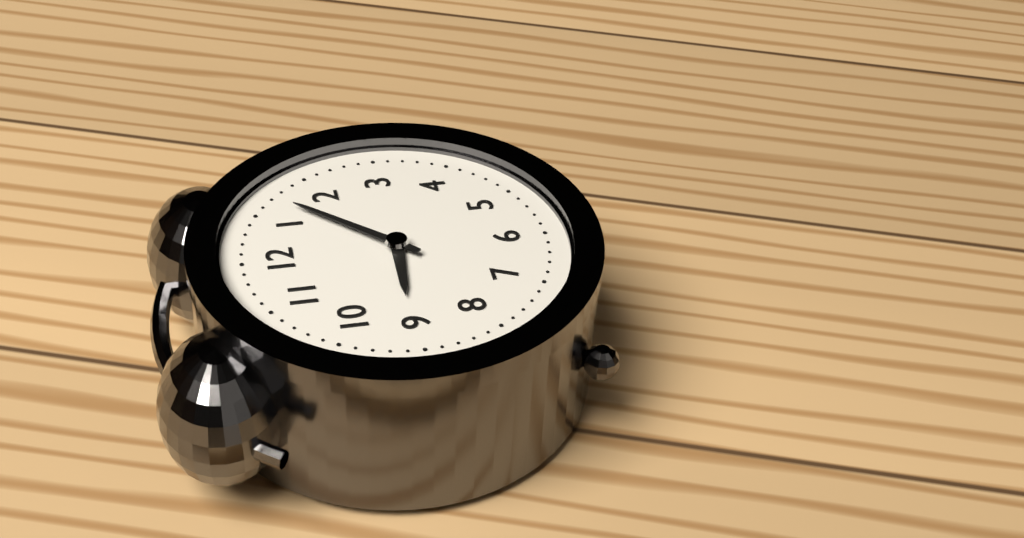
9:07
